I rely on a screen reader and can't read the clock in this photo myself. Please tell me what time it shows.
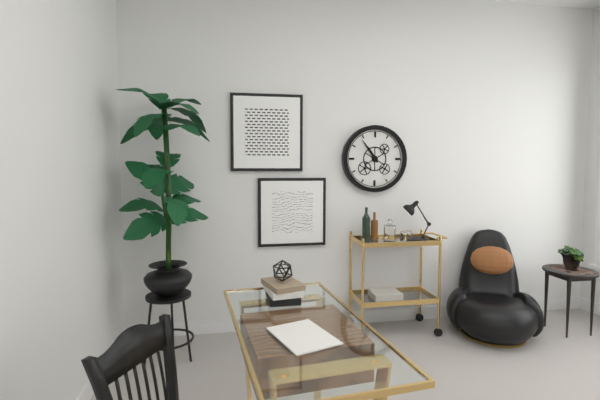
10:54
